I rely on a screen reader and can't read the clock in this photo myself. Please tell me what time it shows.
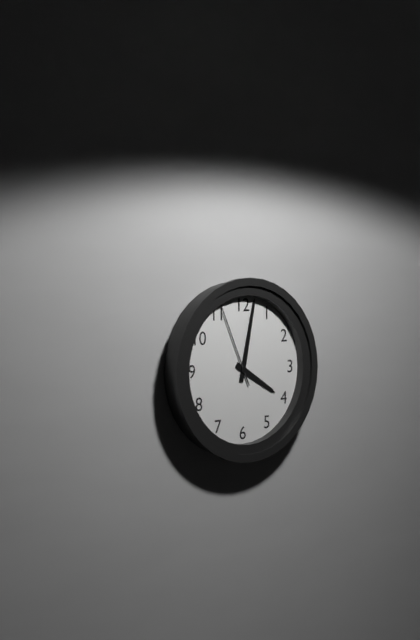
4:02:56
